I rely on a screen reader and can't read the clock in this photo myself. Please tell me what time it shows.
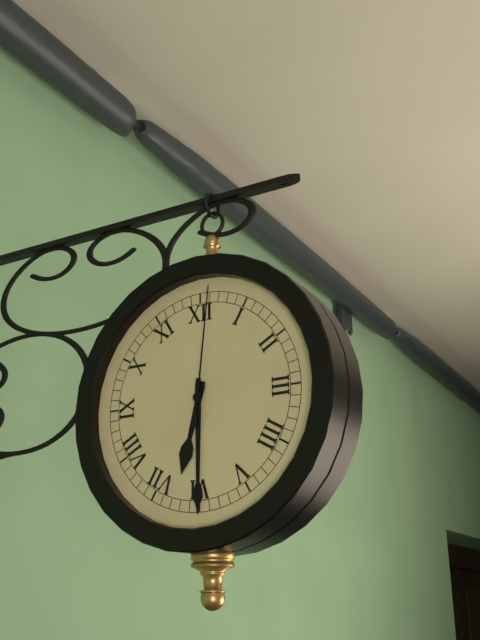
6:30:01
